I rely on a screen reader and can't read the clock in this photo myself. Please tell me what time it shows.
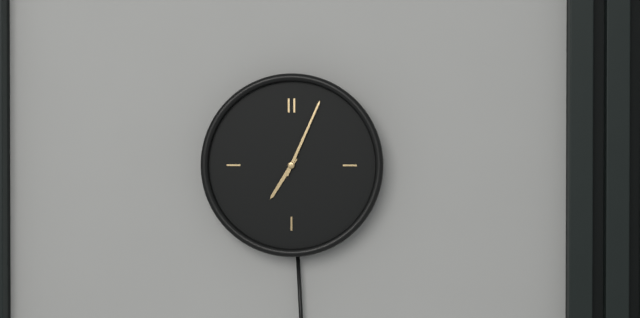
7:04
